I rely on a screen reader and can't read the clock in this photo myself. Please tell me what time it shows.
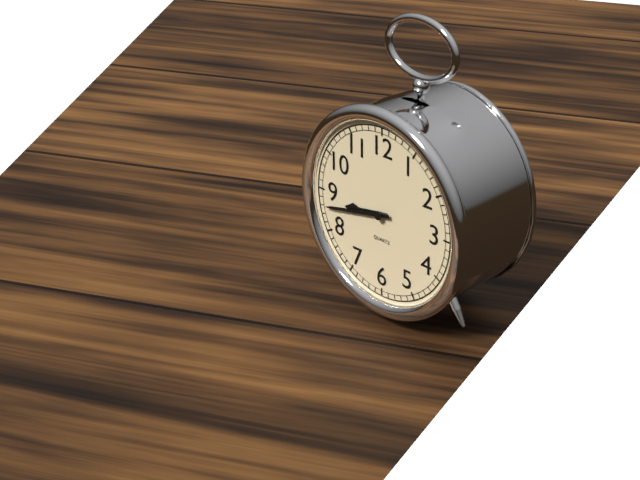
8:43
